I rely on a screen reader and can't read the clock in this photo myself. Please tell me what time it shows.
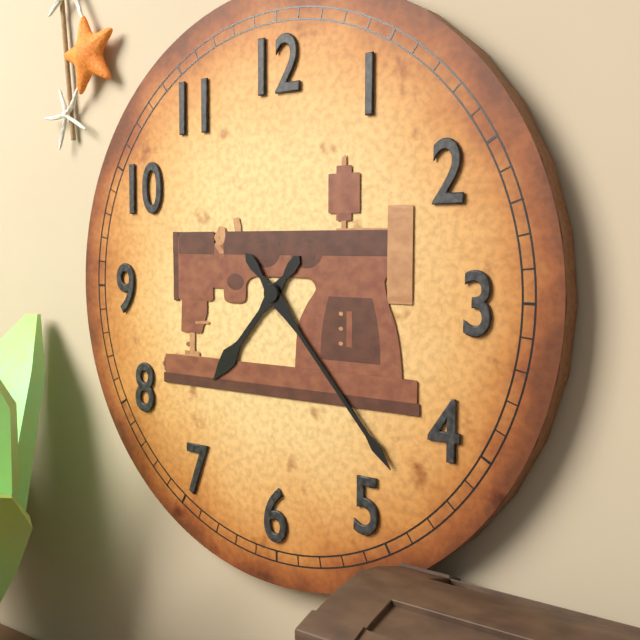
7:23
